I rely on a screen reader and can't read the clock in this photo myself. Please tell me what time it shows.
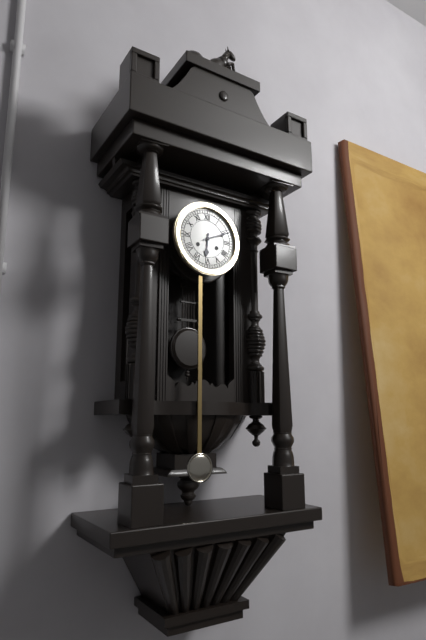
6:11
